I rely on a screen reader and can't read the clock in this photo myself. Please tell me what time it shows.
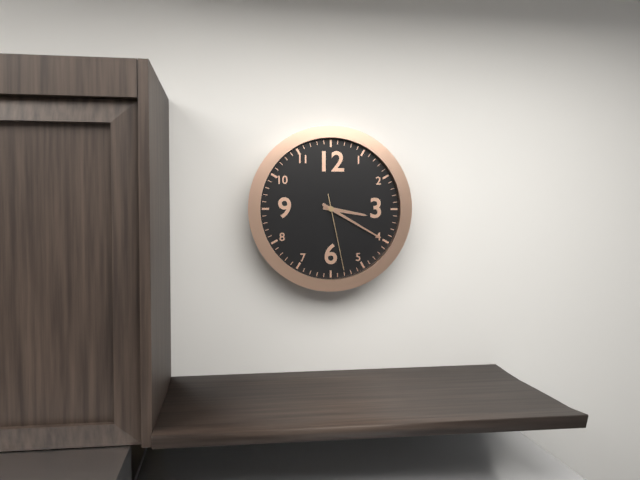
3:20:28
